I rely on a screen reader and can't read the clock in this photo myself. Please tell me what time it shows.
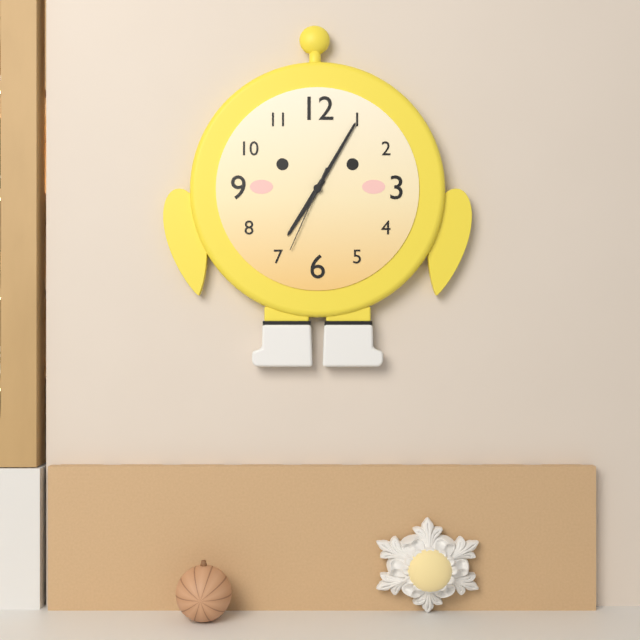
7:05:34
